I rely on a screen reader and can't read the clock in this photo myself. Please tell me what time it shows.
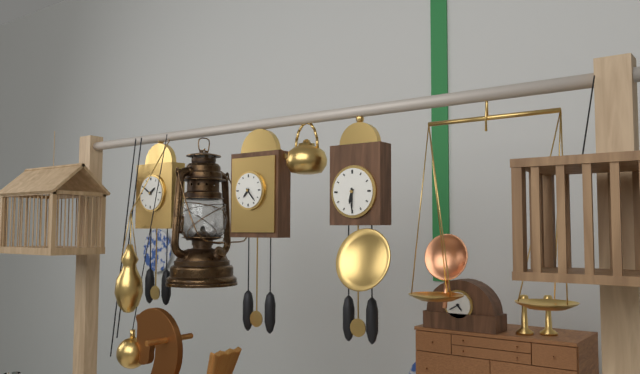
6:30
